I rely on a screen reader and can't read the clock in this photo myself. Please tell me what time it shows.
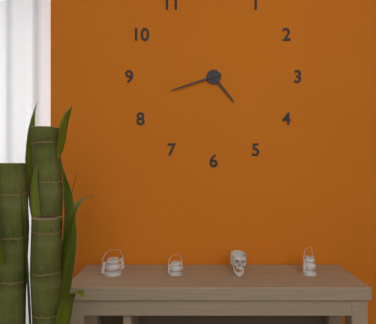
4:42
